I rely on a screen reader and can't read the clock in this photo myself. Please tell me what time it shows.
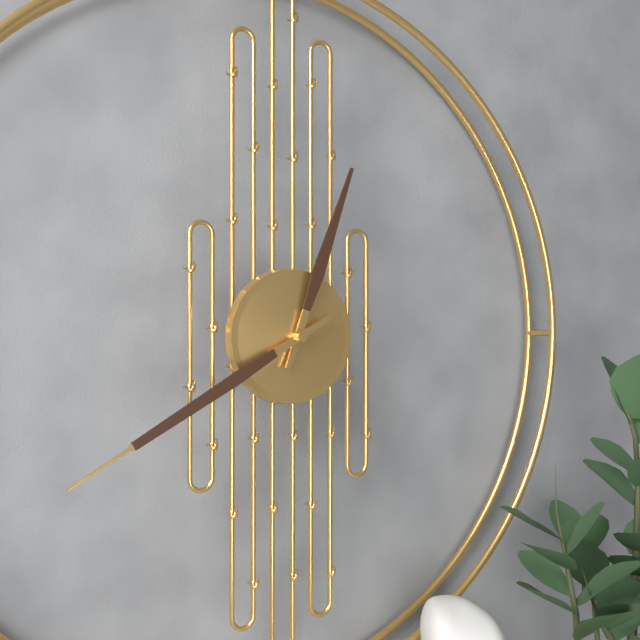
12:40
